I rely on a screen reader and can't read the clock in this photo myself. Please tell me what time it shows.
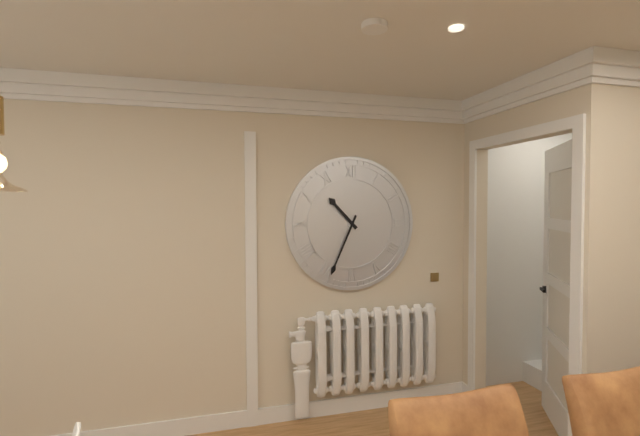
10:34
